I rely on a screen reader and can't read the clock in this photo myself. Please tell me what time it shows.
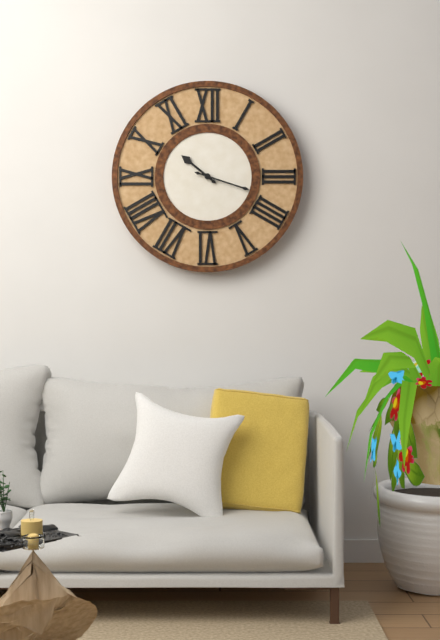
10:18
